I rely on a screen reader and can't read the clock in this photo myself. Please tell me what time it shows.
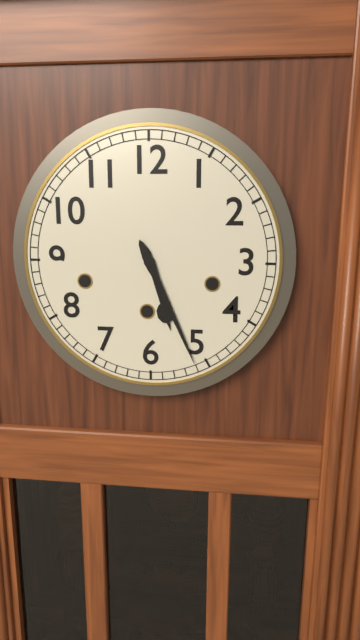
5:26
